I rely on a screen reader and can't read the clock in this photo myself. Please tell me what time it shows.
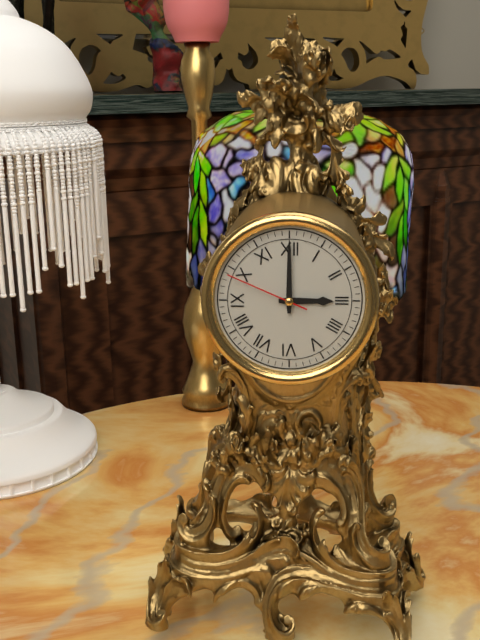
3:00:49
